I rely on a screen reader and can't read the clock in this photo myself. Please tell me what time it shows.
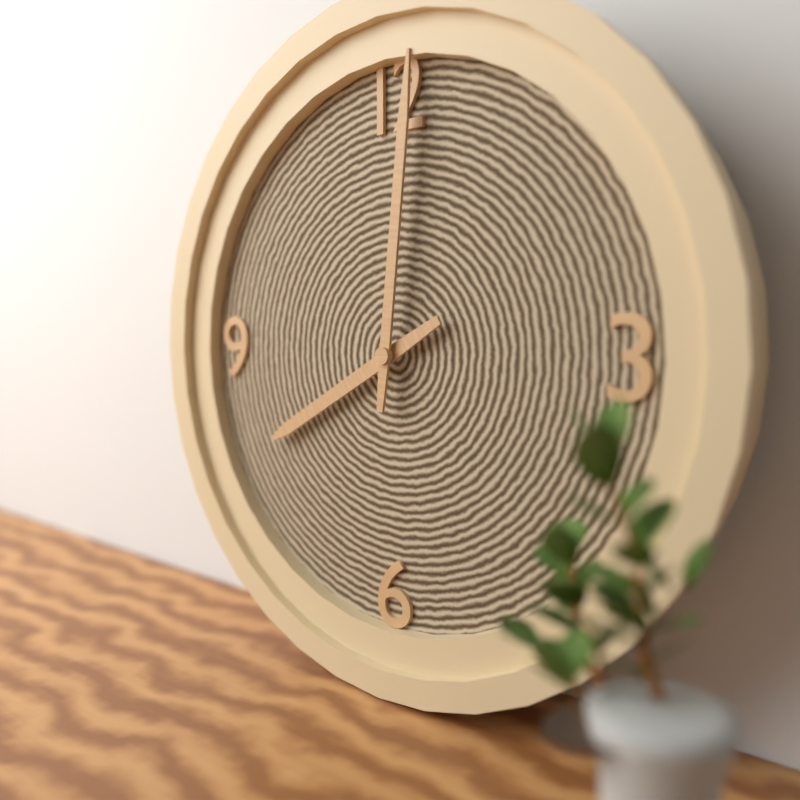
8:01
